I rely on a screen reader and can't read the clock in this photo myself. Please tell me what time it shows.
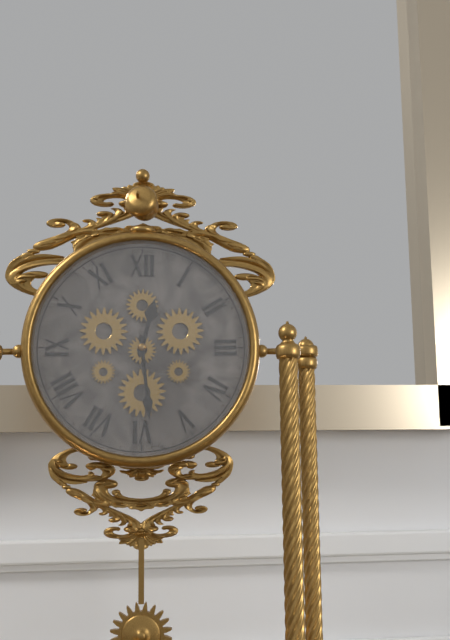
12:29
